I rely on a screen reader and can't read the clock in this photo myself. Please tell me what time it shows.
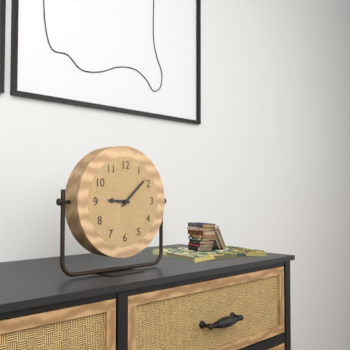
9:08
